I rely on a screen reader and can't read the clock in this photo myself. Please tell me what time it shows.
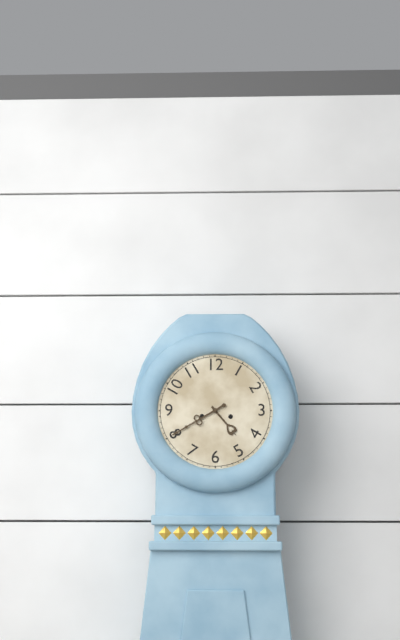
4:40
